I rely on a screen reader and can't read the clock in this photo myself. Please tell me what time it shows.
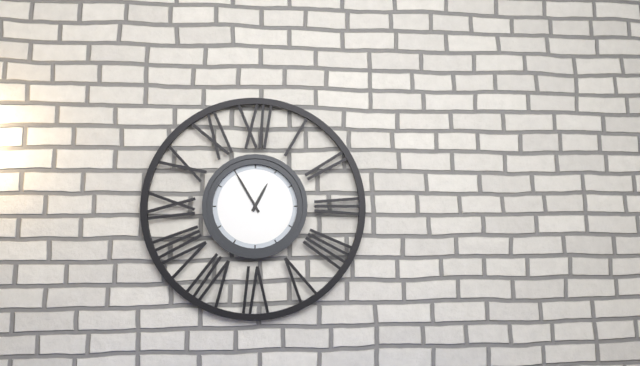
12:55
